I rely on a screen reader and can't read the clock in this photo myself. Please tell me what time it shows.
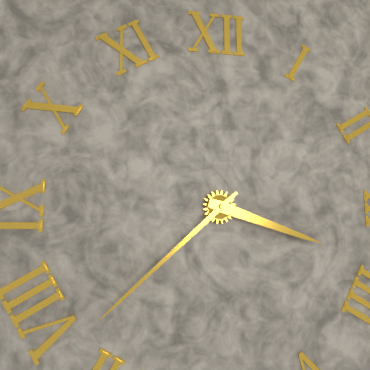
3:38
